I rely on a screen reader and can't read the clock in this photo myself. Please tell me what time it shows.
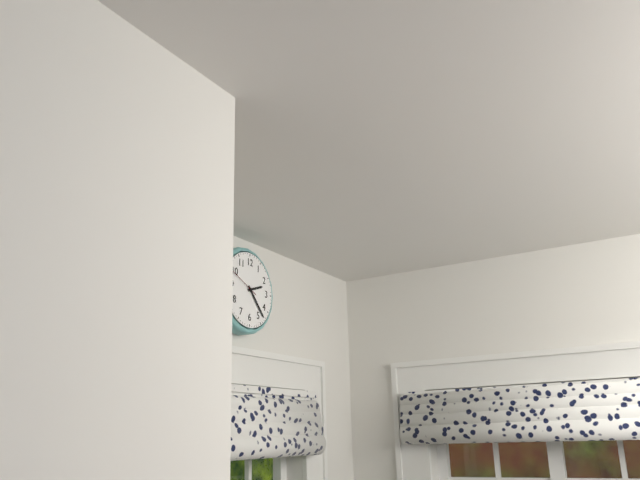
2:23
